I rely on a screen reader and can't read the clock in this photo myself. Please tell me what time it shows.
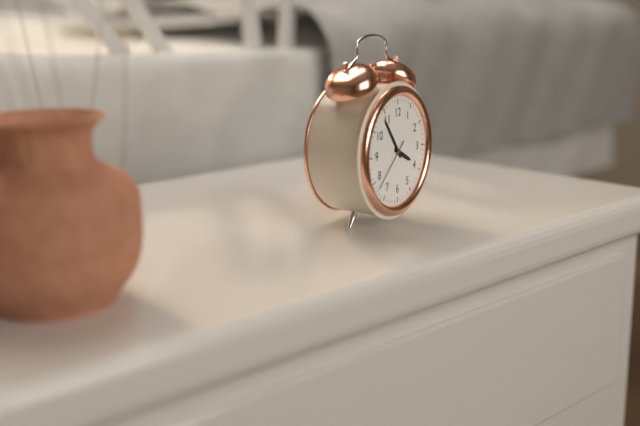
3:54:38
